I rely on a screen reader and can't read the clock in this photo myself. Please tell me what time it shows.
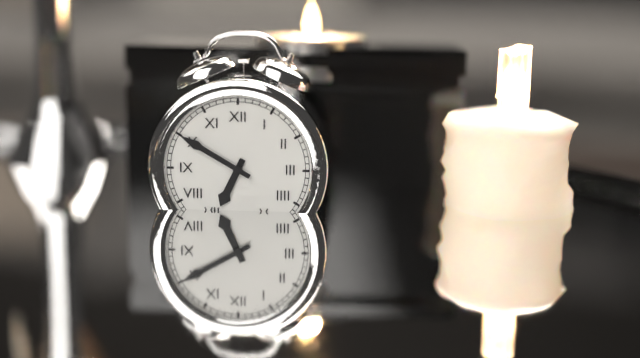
6:50
